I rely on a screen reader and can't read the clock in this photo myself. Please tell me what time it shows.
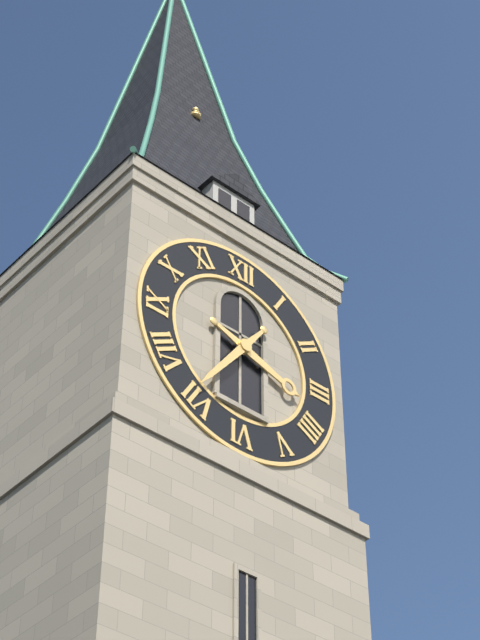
3:36
